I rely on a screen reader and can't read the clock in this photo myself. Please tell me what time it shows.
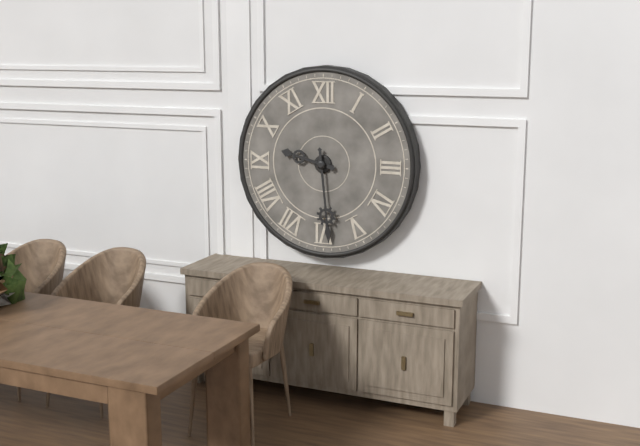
9:29
